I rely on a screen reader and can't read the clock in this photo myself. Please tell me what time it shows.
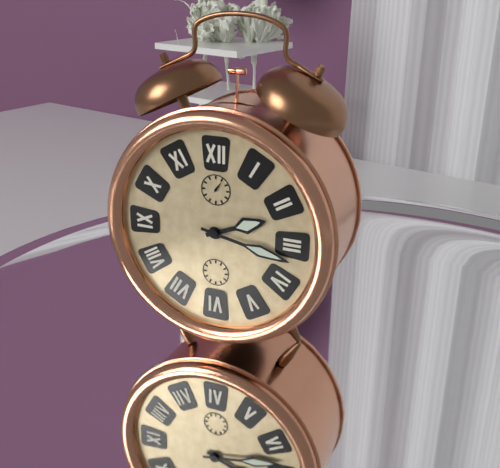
2:17
